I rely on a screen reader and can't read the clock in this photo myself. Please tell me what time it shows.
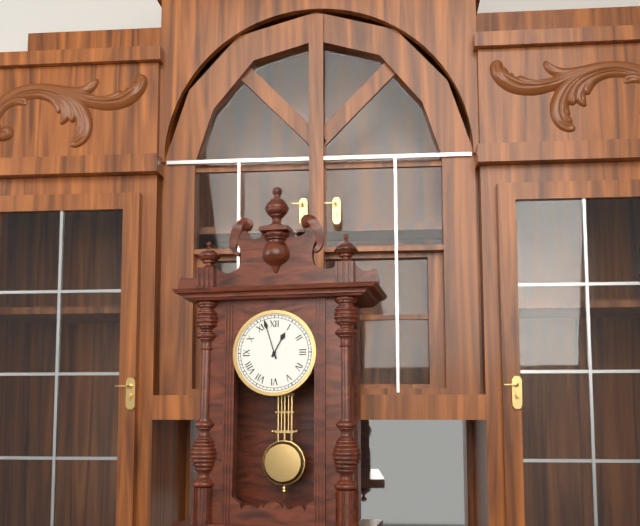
12:57
